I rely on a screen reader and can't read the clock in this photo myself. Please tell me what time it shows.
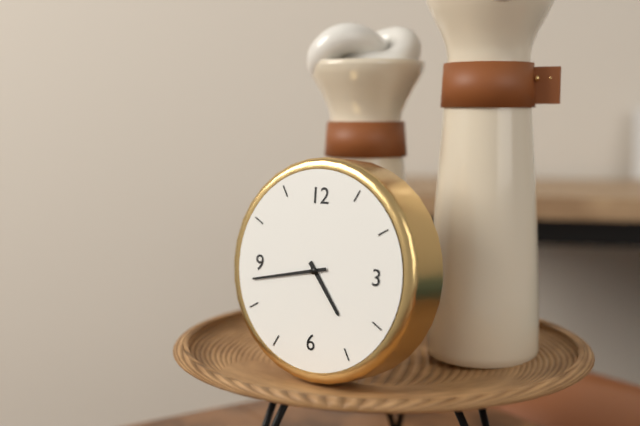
4:43
